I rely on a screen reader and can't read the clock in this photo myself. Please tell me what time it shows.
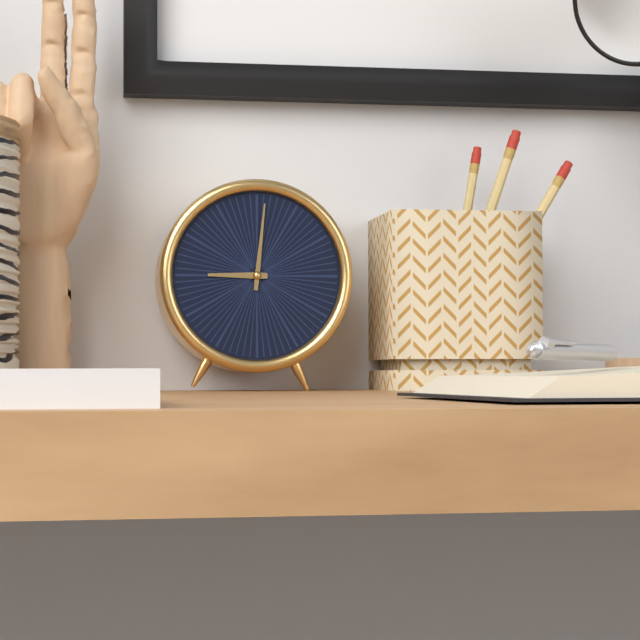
9:01
